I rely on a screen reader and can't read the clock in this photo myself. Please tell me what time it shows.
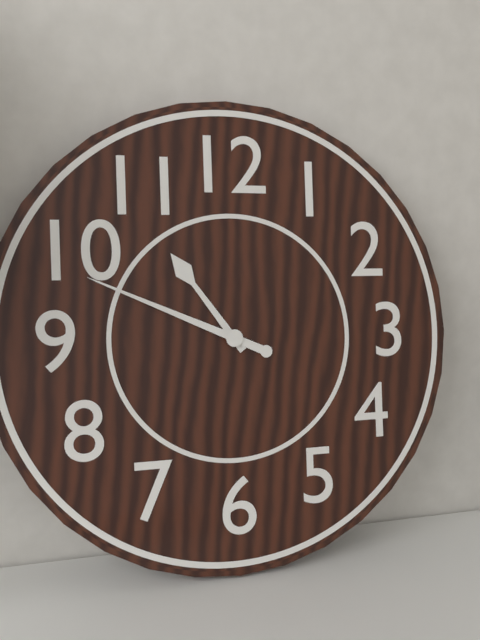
10:49
